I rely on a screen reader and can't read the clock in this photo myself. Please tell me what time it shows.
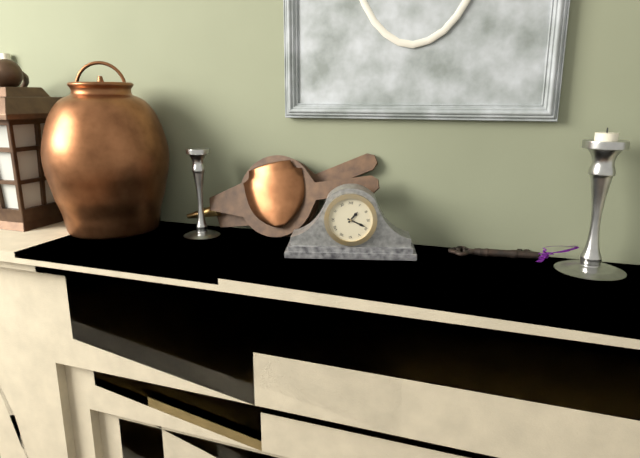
1:19
